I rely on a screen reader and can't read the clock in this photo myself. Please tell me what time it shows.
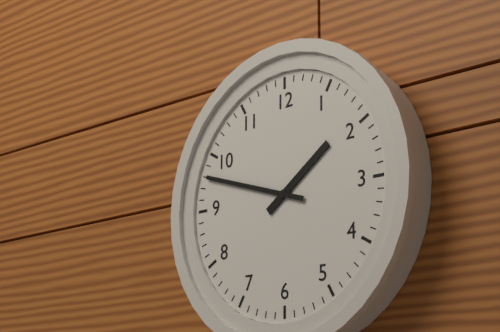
1:48
